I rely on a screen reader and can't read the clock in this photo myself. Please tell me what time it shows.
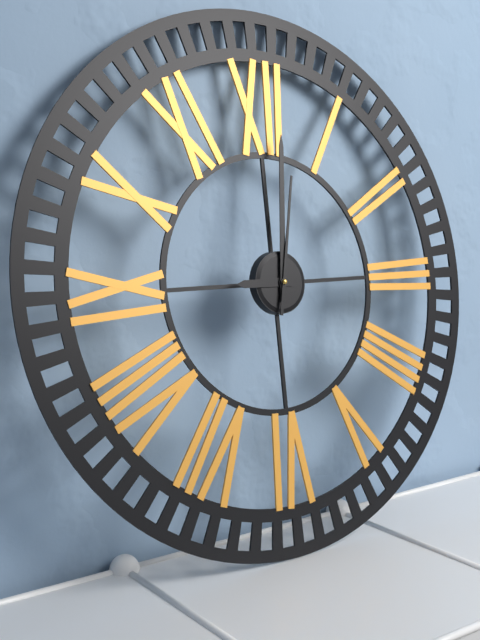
9:01:02
